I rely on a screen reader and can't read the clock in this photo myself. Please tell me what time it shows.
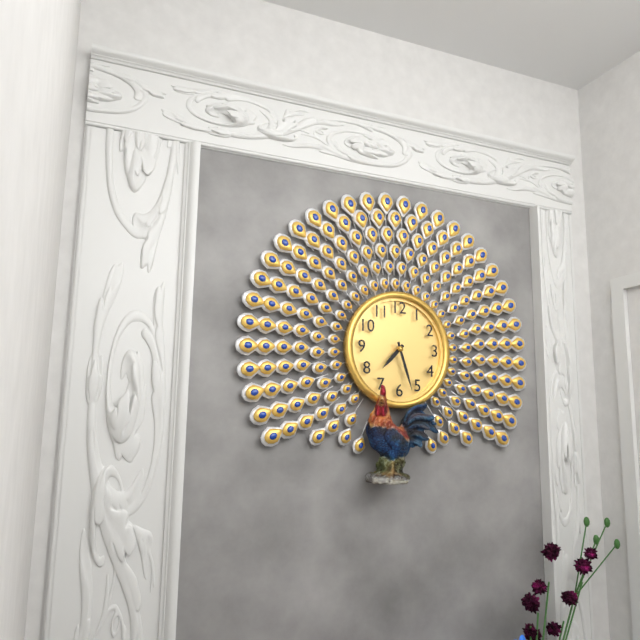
7:27
